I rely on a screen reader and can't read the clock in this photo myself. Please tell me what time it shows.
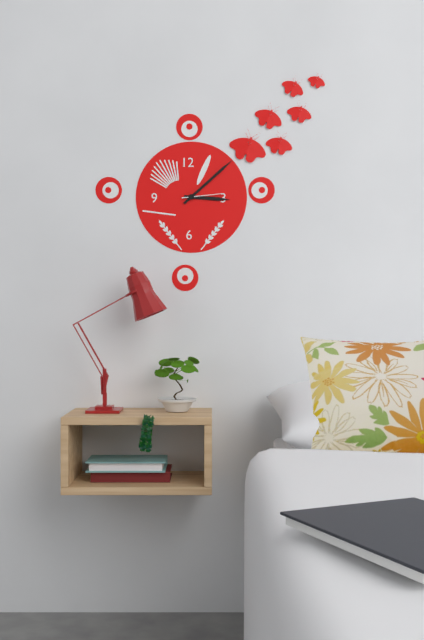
3:08
